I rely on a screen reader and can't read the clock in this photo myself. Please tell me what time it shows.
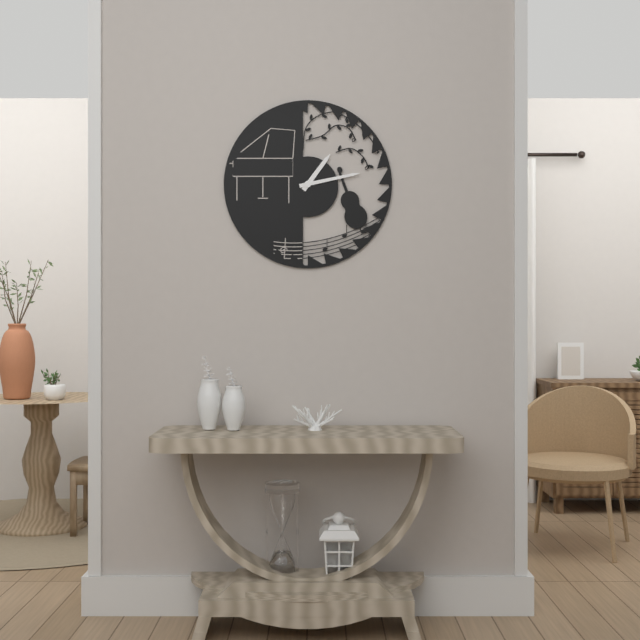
1:13
